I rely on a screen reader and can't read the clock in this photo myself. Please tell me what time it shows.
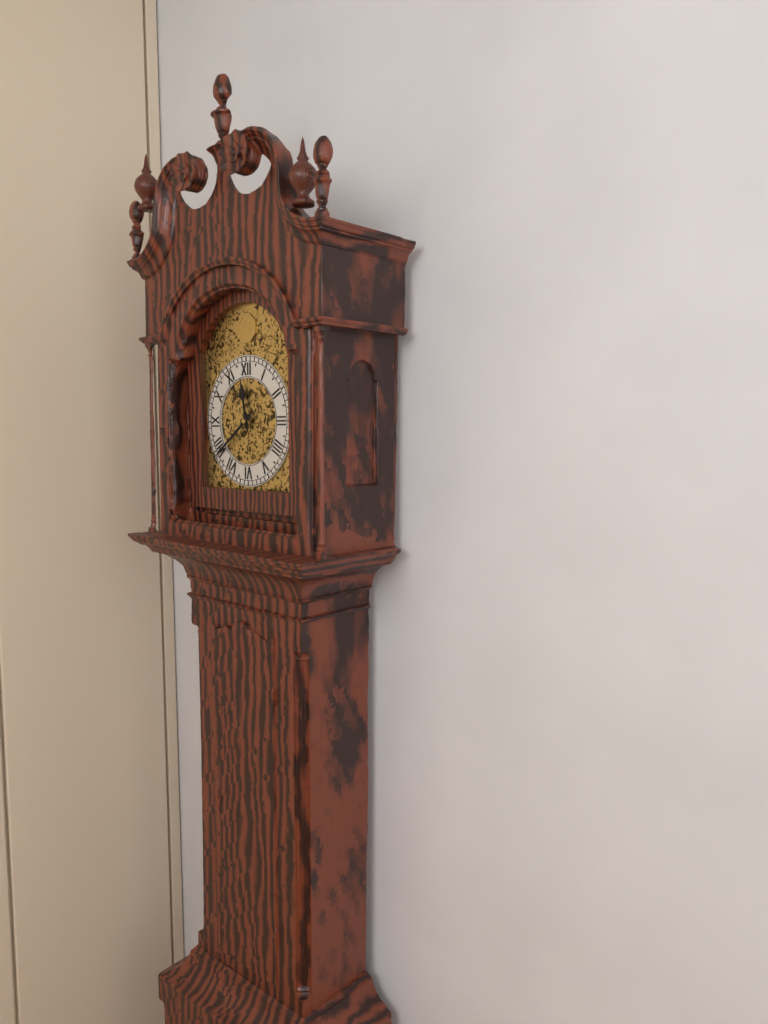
11:39
